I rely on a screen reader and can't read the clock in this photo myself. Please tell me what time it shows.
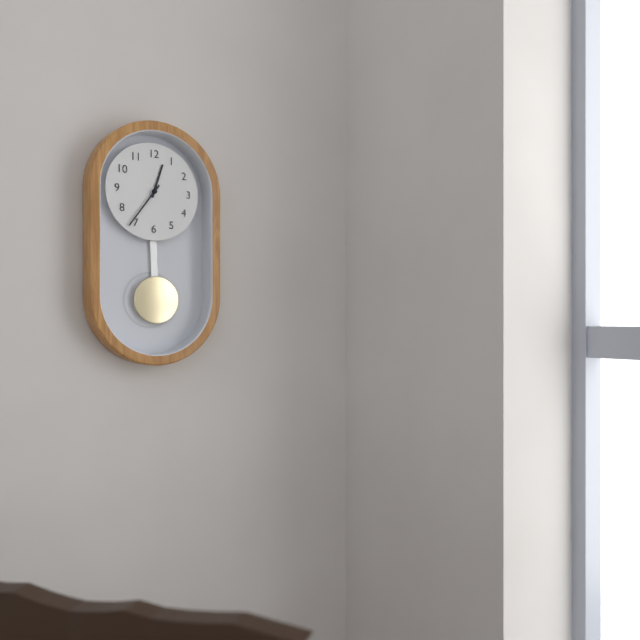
12:36
